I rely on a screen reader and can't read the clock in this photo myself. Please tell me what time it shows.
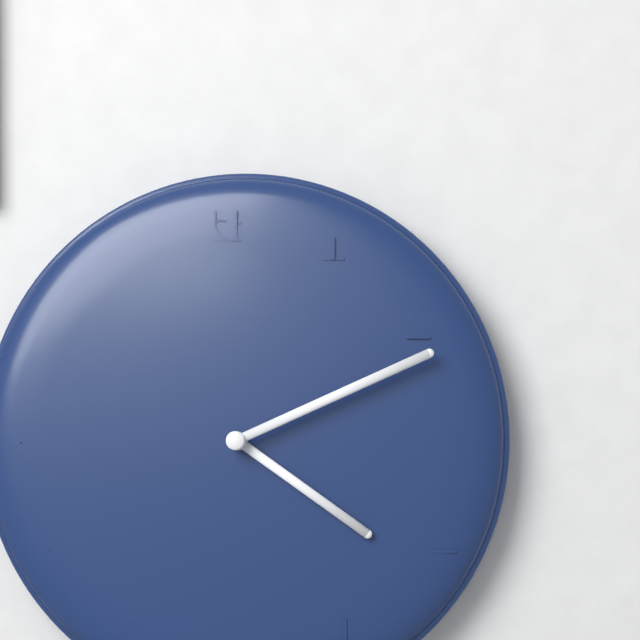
4:11
